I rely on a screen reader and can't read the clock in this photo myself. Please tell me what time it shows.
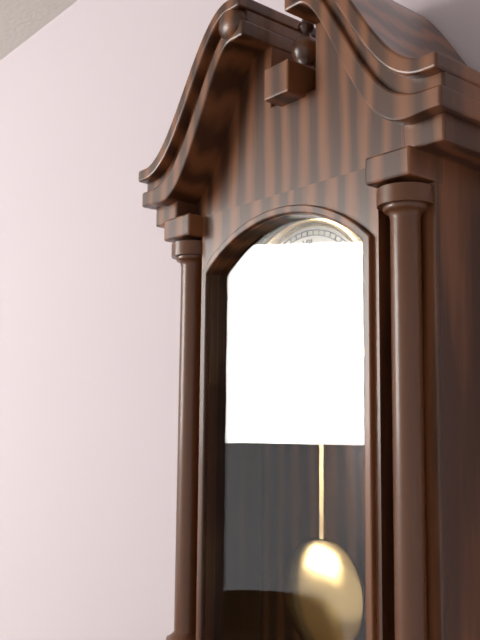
11:56
